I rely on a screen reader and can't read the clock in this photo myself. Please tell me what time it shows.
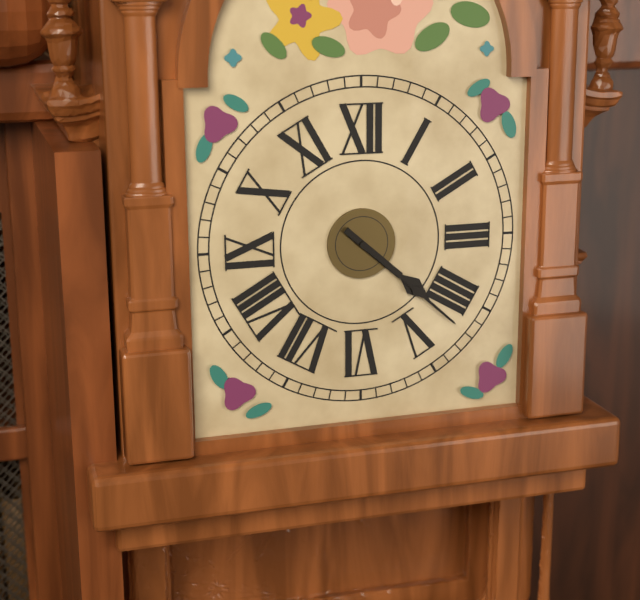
4:22
